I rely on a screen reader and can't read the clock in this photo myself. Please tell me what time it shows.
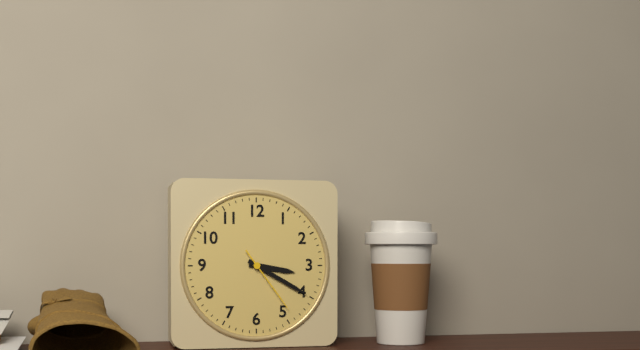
3:20:24
